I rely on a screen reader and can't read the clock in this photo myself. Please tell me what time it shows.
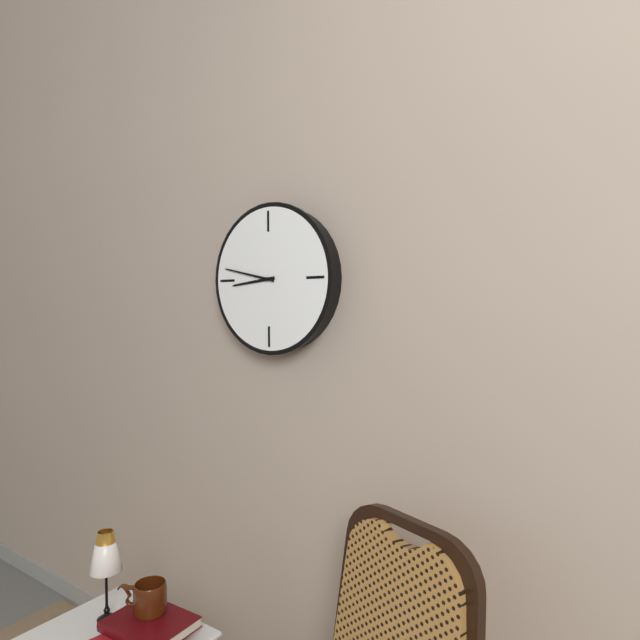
8:47
